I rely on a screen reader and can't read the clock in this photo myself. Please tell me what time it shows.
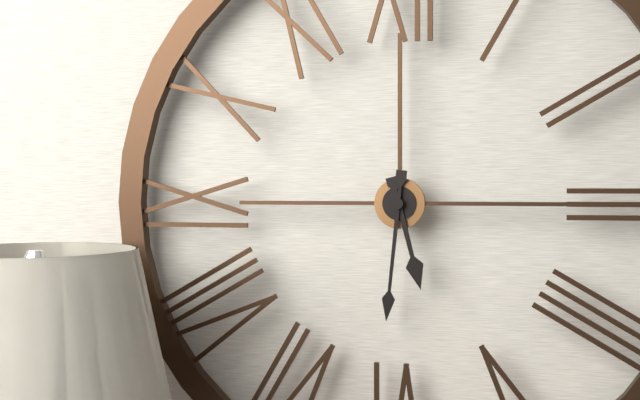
5:31
